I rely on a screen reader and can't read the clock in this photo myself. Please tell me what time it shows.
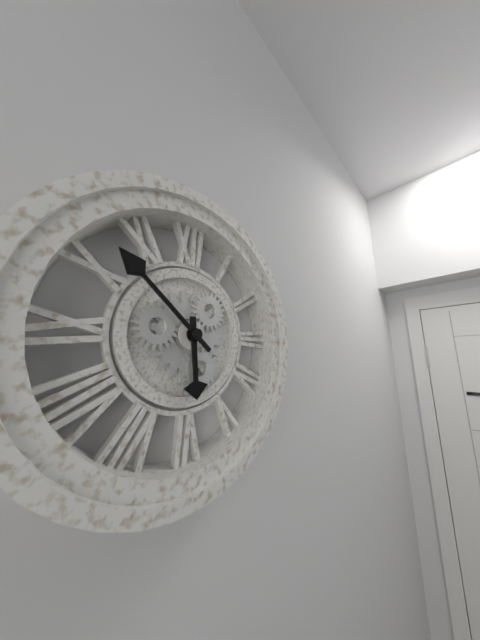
5:52
